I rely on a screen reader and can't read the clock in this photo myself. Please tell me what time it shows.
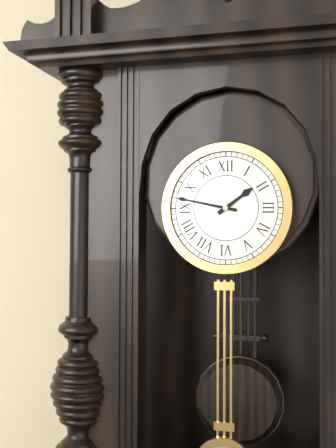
1:47
